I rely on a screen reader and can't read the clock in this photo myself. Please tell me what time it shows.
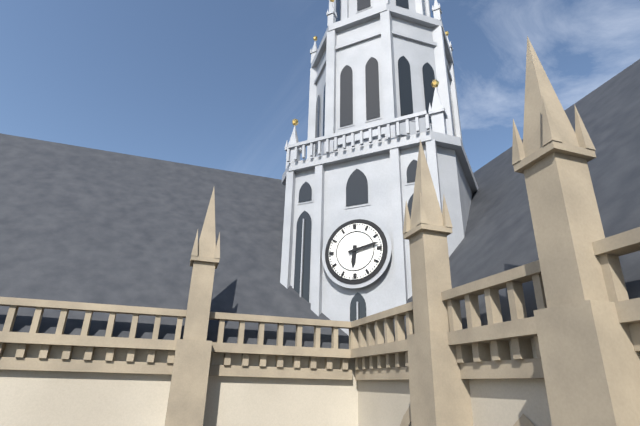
6:13
